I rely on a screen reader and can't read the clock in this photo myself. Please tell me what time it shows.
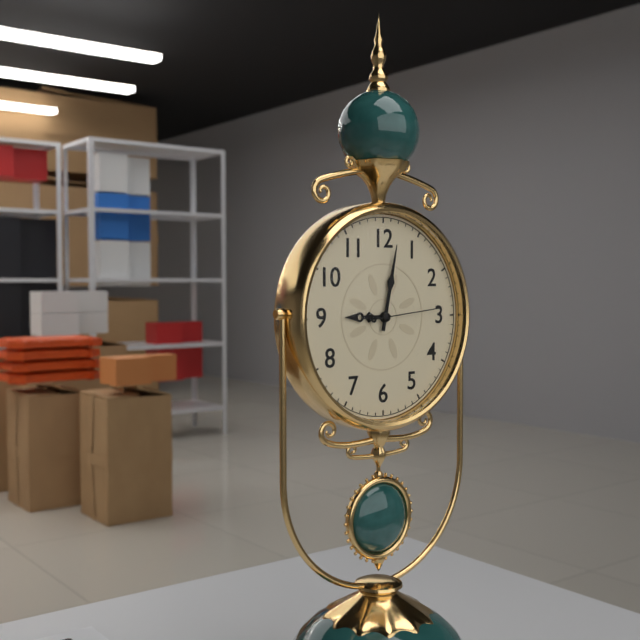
9:02:14
